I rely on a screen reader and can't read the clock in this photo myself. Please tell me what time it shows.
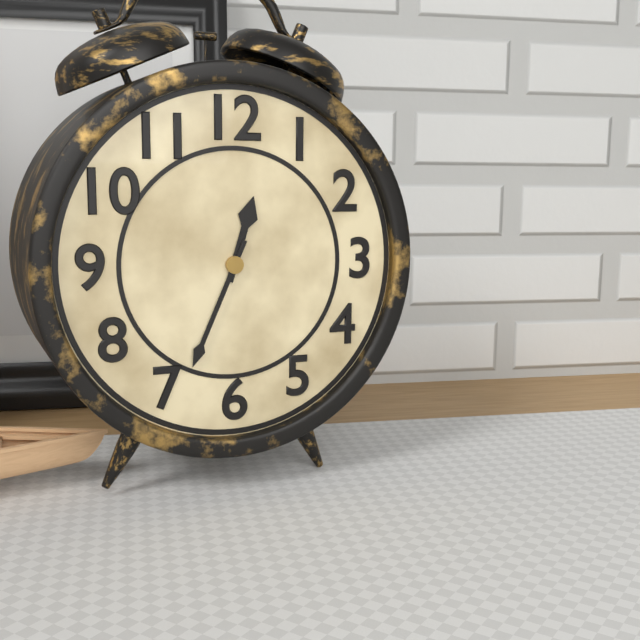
12:34
